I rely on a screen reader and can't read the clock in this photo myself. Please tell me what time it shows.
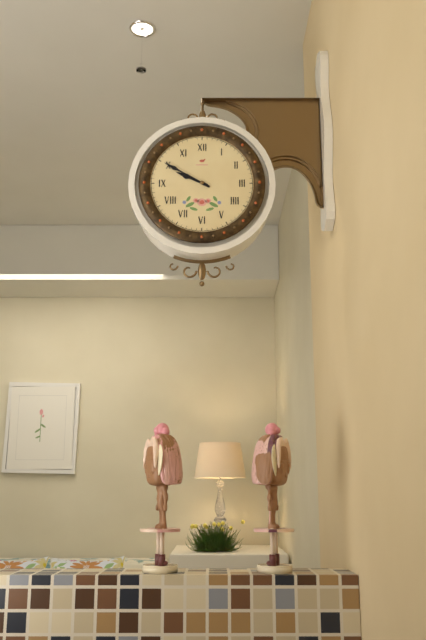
9:50
